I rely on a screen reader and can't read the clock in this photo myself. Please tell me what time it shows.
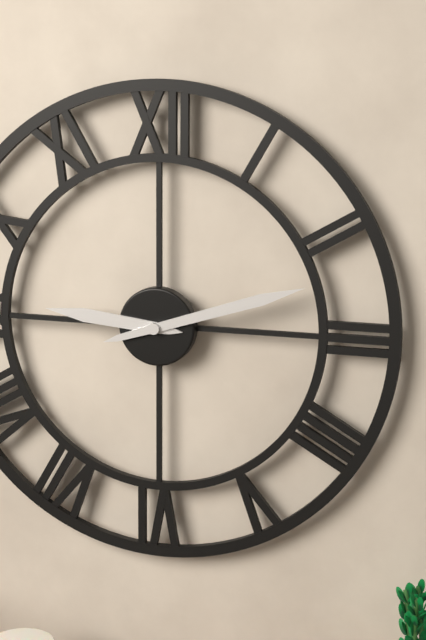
9:12
